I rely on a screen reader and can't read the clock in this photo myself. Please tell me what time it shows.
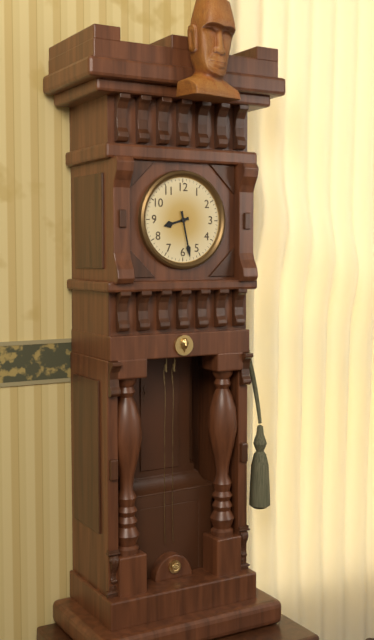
8:28
